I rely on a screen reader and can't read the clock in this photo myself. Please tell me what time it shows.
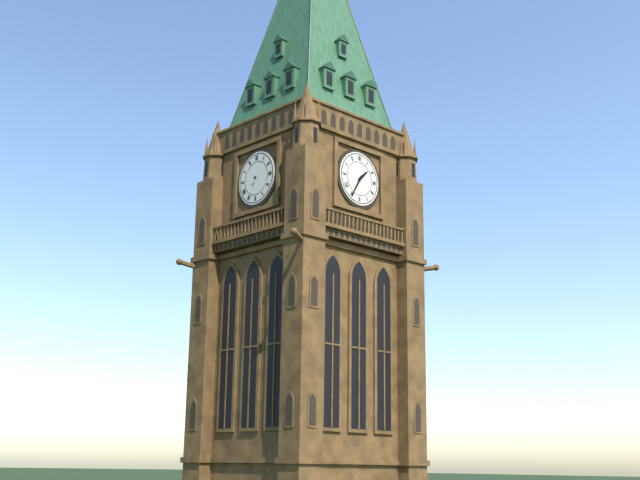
1:35
